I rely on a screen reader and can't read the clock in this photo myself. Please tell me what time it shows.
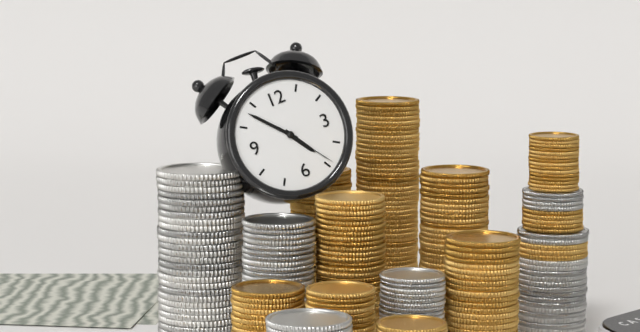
4:53:24
